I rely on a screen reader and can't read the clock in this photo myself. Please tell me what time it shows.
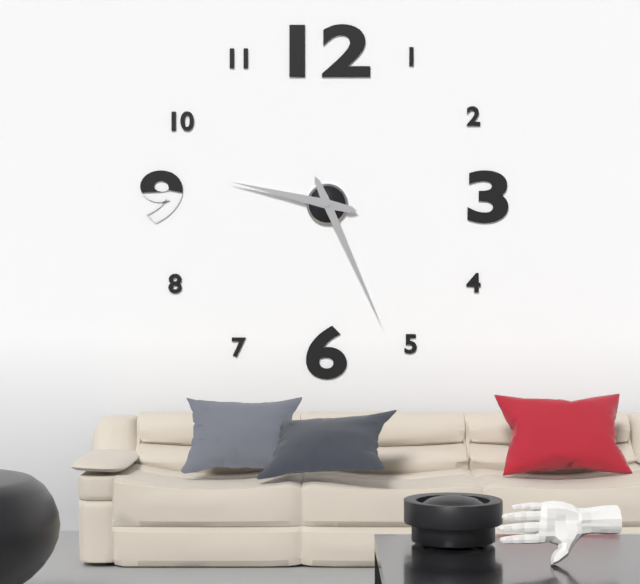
9:26
